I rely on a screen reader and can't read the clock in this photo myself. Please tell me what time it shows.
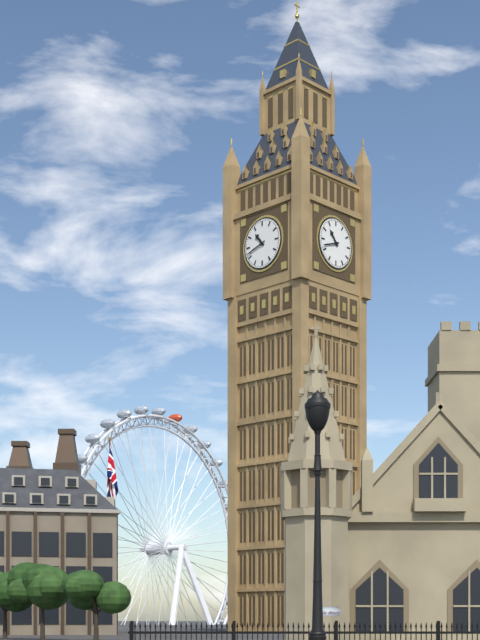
10:42
